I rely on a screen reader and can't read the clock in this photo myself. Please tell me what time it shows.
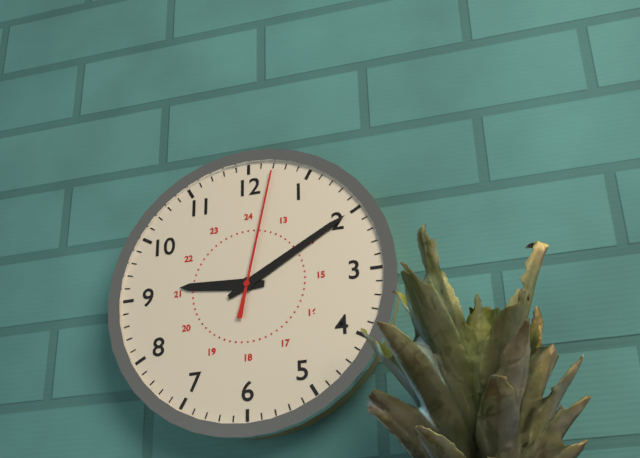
9:10:02
